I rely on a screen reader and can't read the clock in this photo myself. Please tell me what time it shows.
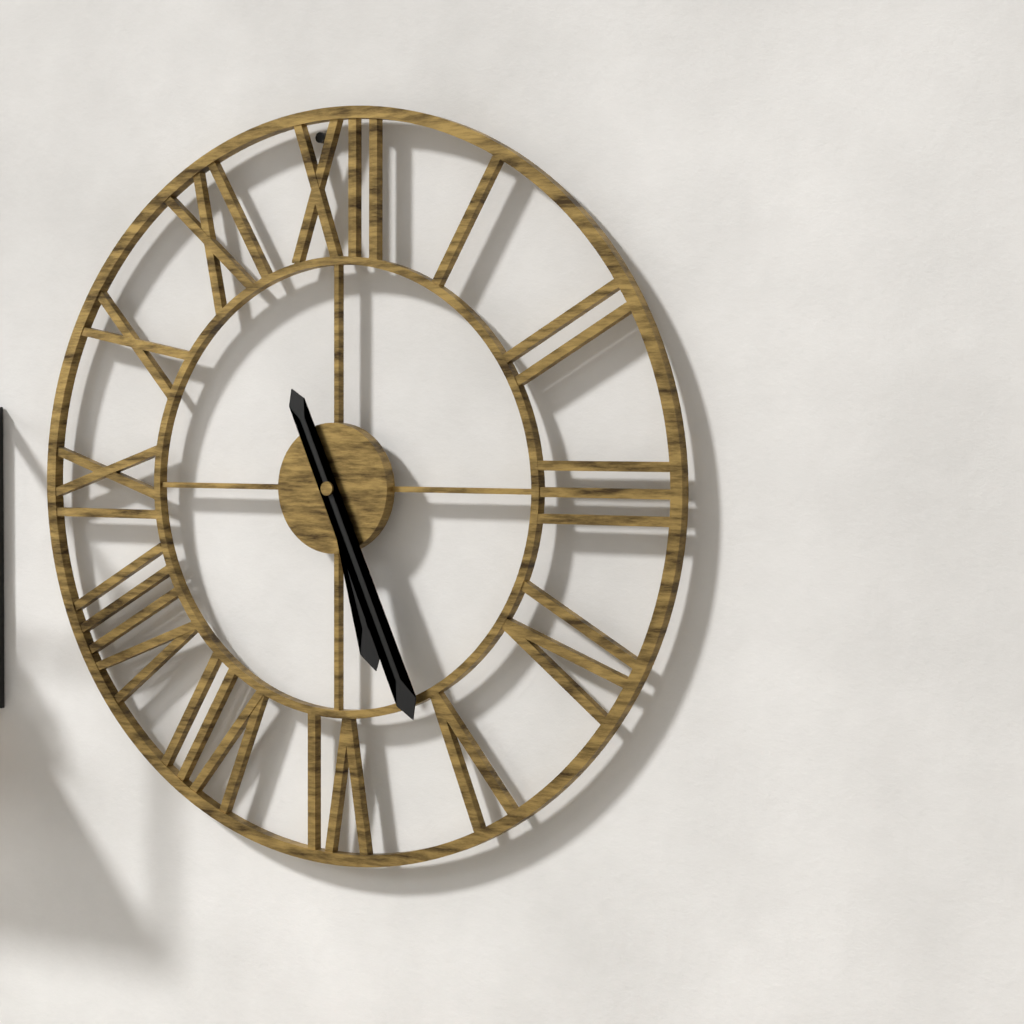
5:26
